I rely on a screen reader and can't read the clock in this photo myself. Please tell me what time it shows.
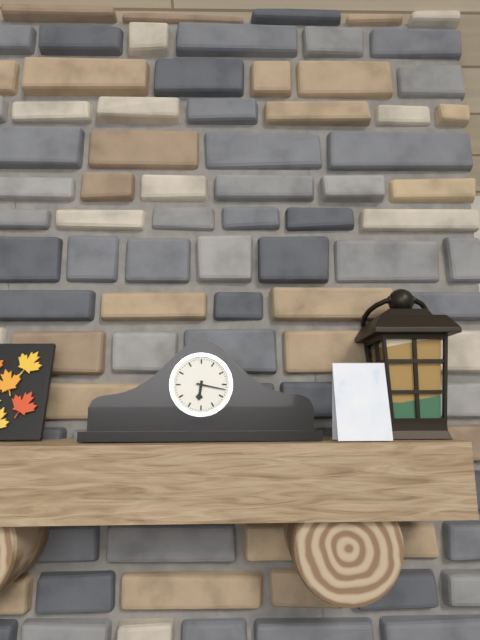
6:17
